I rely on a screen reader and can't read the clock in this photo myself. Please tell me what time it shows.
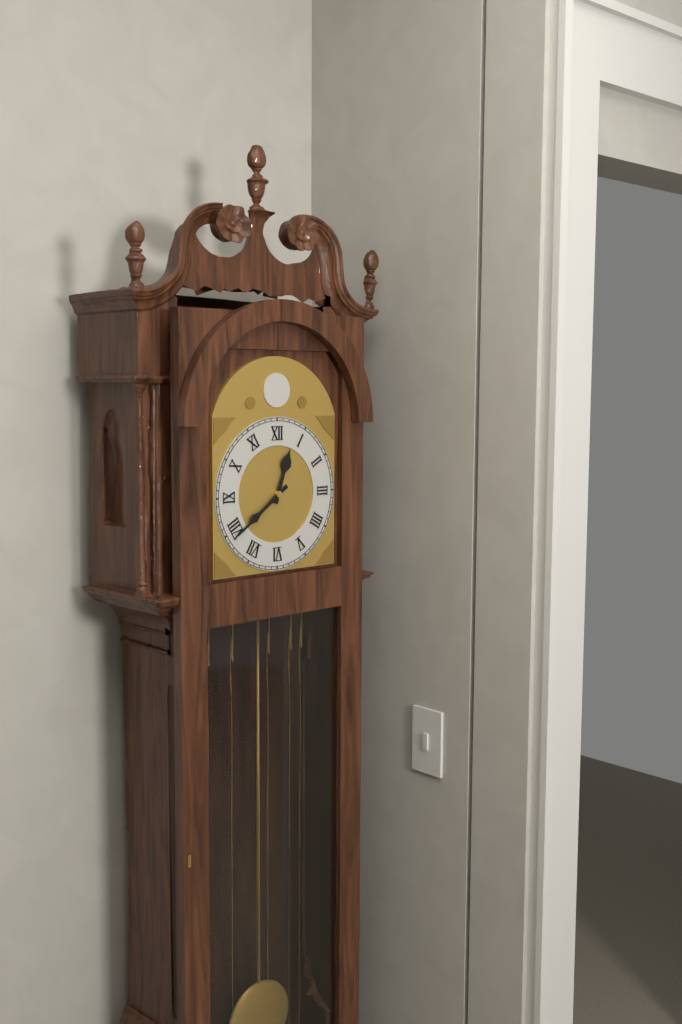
12:39
